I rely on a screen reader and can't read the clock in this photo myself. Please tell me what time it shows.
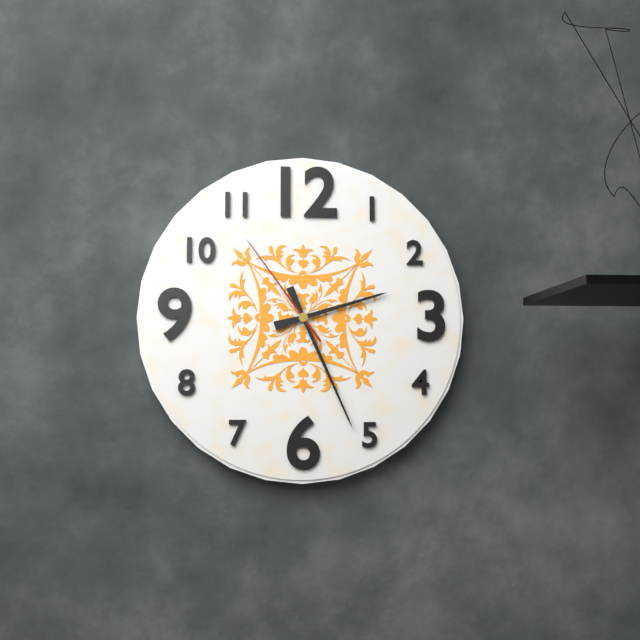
2:26:54
